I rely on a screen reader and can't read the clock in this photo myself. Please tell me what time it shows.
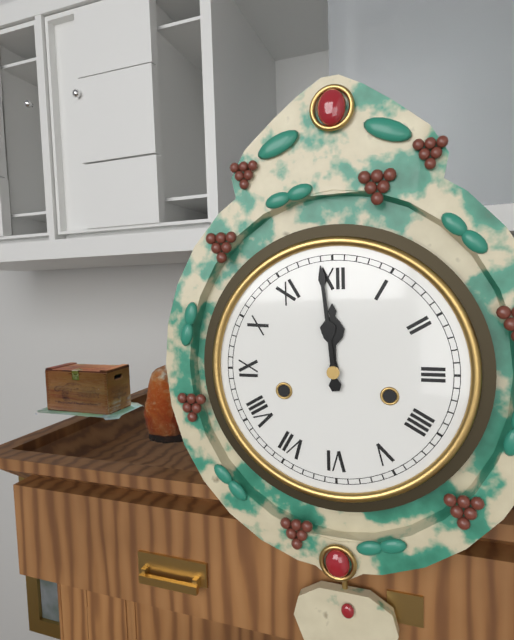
11:59
